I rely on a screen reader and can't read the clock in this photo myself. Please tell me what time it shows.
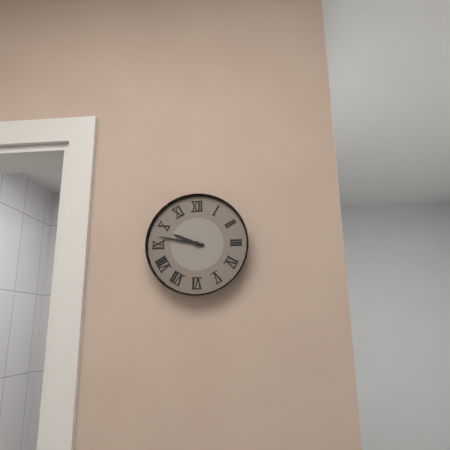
9:47
